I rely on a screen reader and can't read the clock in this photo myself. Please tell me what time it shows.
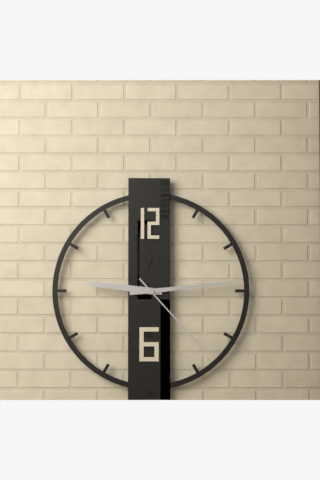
9:14:23
